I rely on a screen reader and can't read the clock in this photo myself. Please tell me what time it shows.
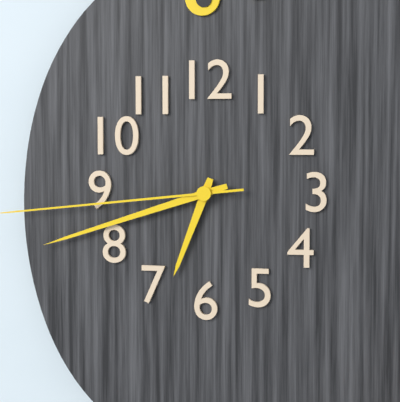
6:42
